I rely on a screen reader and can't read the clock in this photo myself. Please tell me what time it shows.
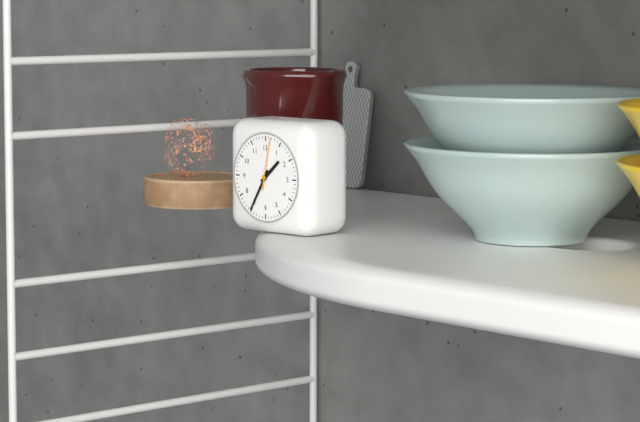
1:35
